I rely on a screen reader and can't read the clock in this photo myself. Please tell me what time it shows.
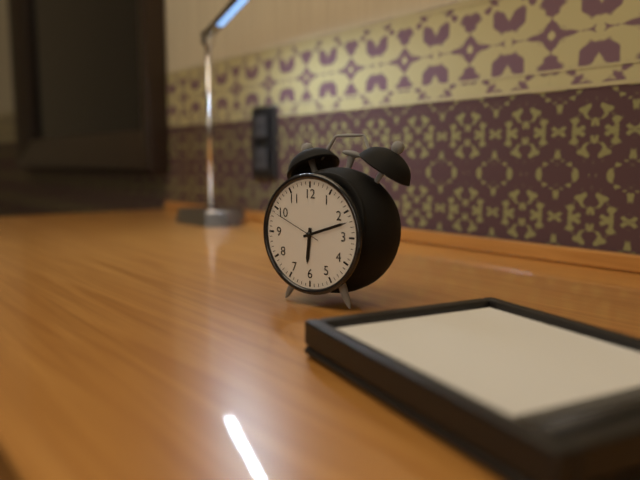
6:12:49
